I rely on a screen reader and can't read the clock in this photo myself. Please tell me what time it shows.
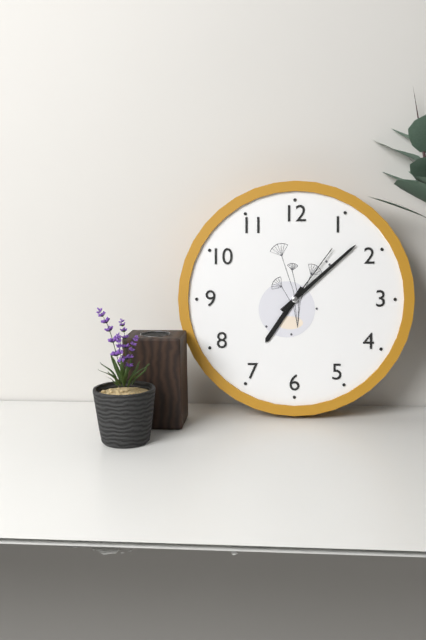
7:08:06
